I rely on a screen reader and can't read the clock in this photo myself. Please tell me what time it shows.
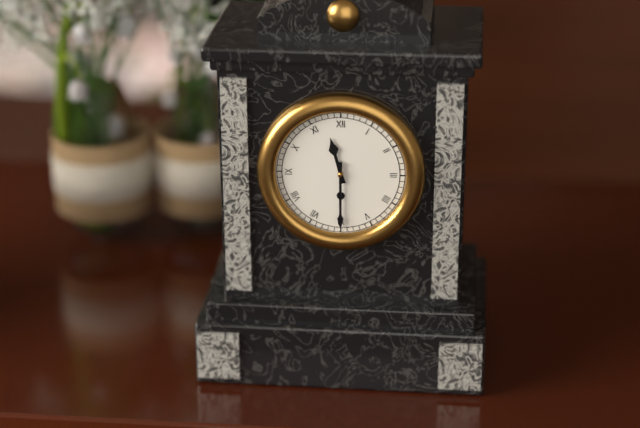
11:30
